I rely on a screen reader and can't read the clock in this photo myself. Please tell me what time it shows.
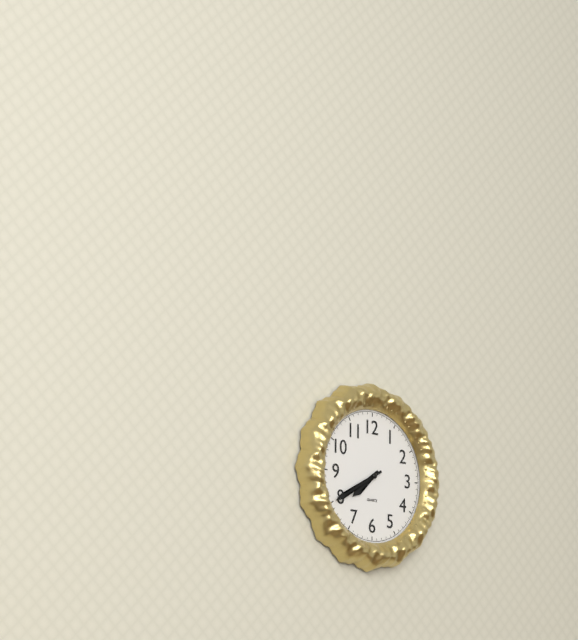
7:40
